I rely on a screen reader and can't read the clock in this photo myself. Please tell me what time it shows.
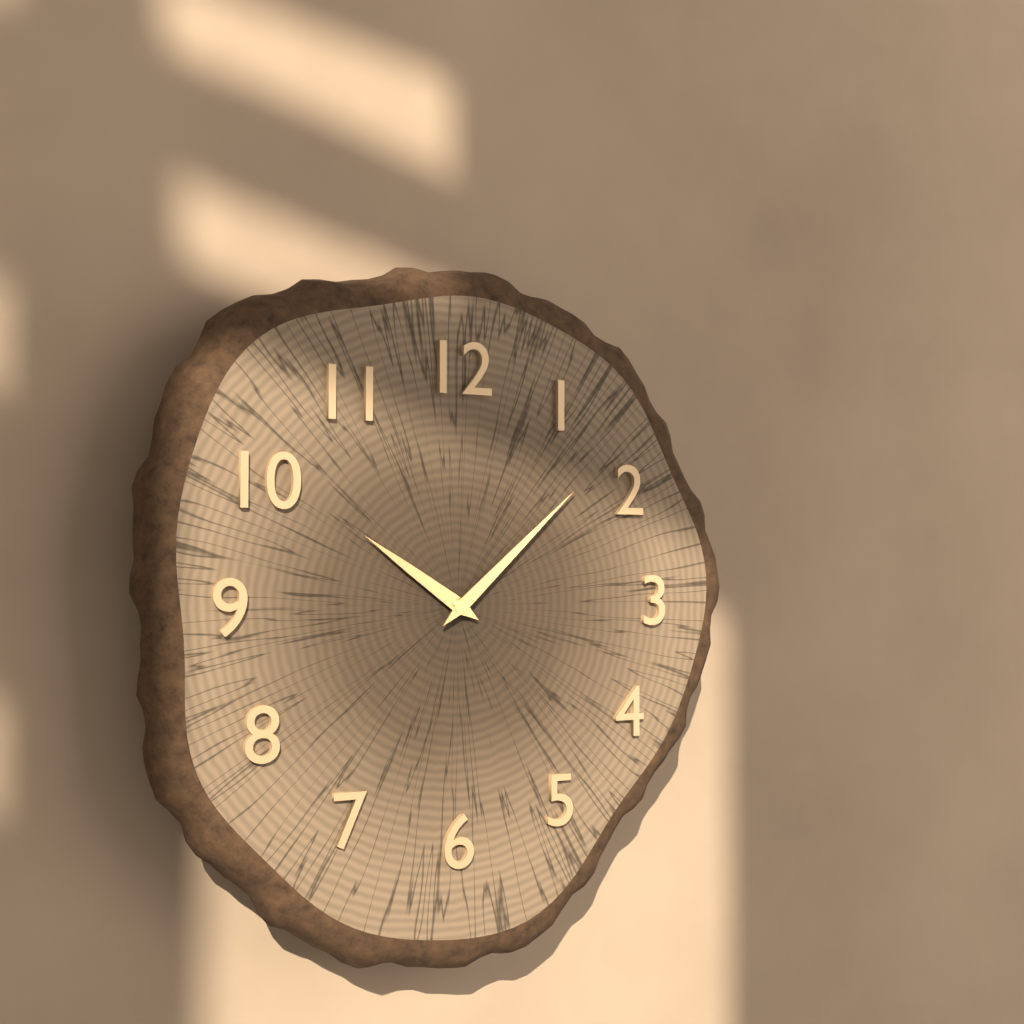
10:08
